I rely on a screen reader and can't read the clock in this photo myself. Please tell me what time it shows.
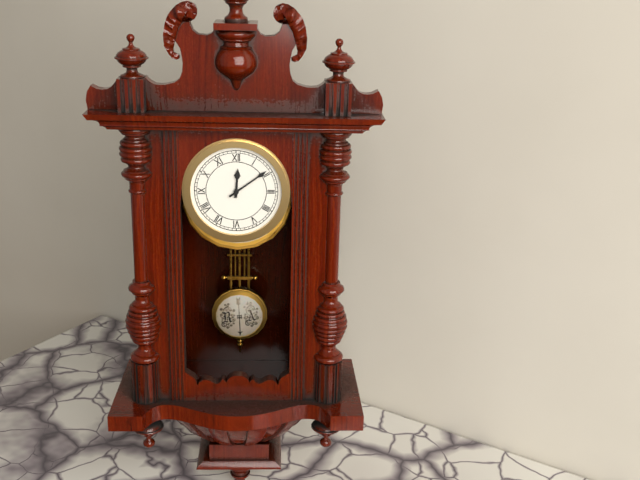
12:09
